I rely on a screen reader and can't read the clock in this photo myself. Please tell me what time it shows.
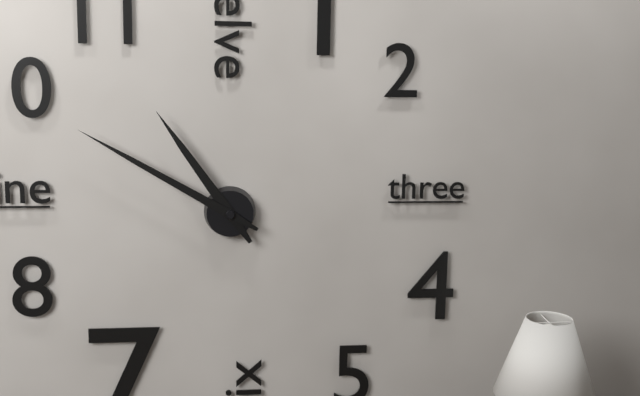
10:50
